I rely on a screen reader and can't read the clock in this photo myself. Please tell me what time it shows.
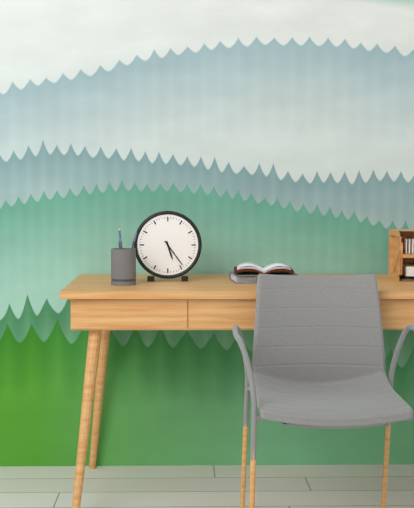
5:24
